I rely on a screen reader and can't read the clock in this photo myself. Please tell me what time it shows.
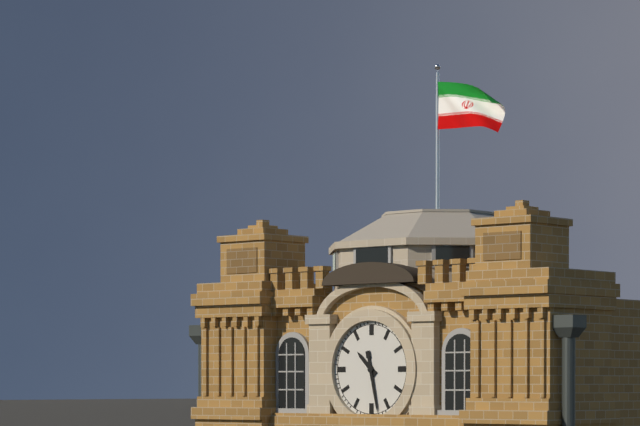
10:28
